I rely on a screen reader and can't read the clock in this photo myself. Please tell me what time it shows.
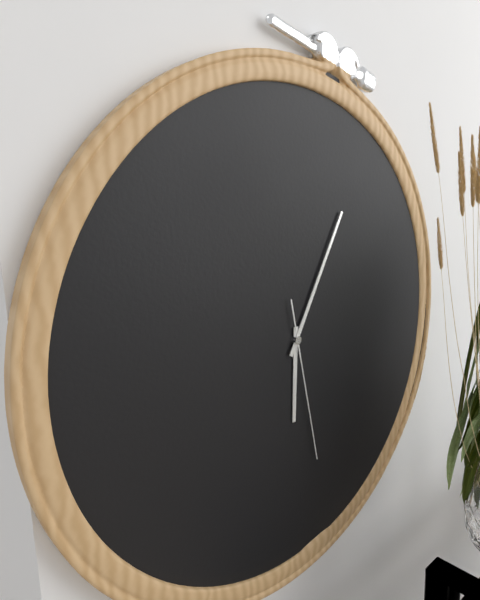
6:05:28
